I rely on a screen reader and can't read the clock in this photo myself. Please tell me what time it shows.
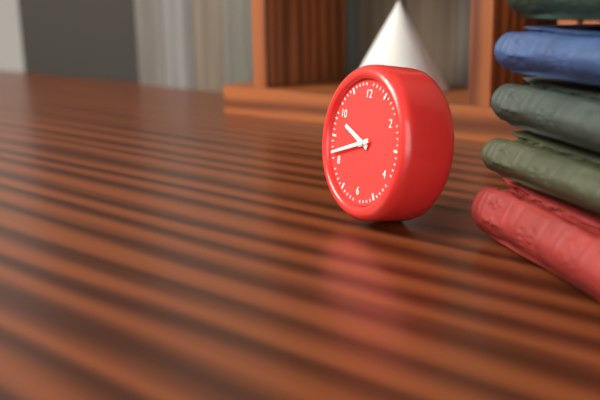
9:42
